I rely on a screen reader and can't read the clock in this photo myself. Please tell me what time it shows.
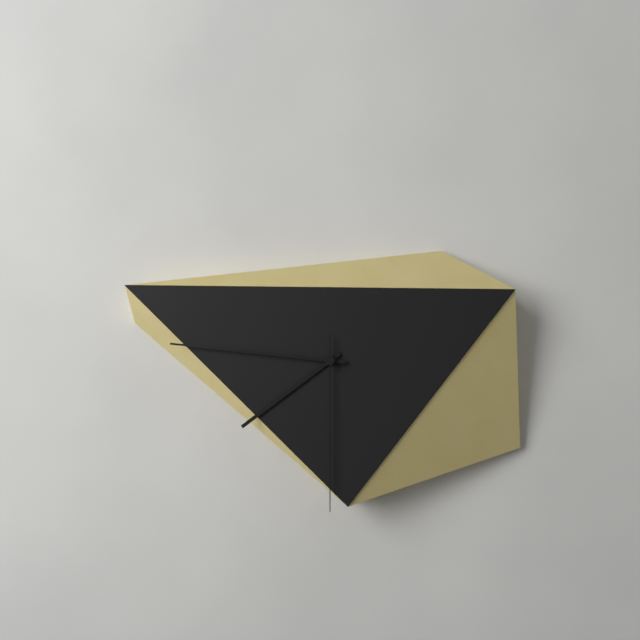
7:46:30
